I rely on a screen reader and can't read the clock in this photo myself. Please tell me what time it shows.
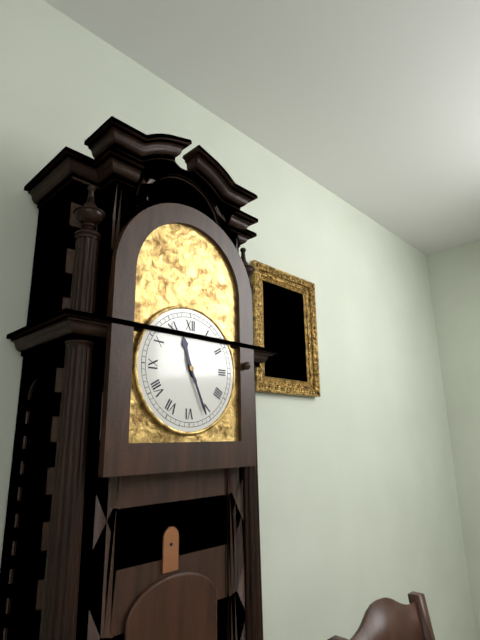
11:26
